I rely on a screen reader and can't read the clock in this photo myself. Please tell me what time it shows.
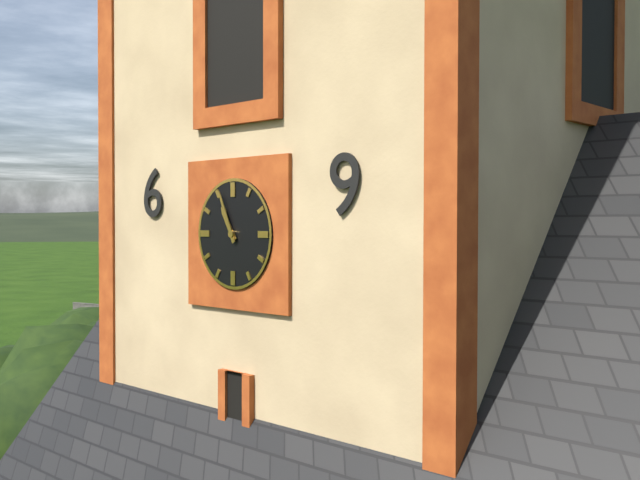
10:56
